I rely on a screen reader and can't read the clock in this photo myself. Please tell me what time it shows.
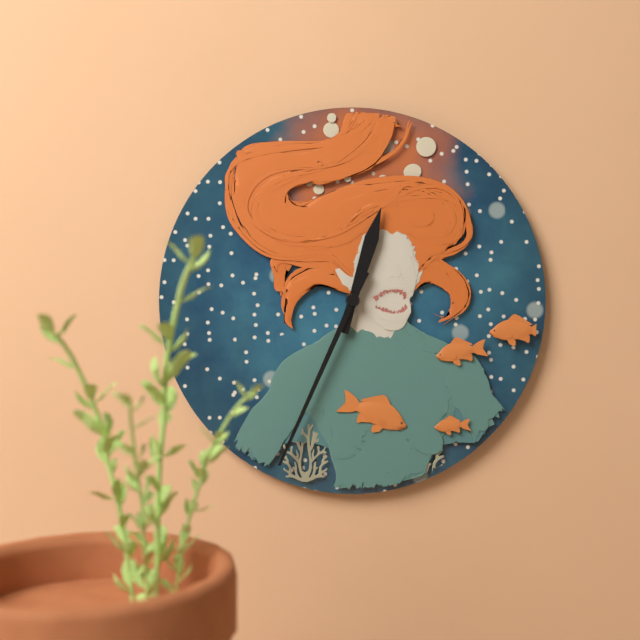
12:34
